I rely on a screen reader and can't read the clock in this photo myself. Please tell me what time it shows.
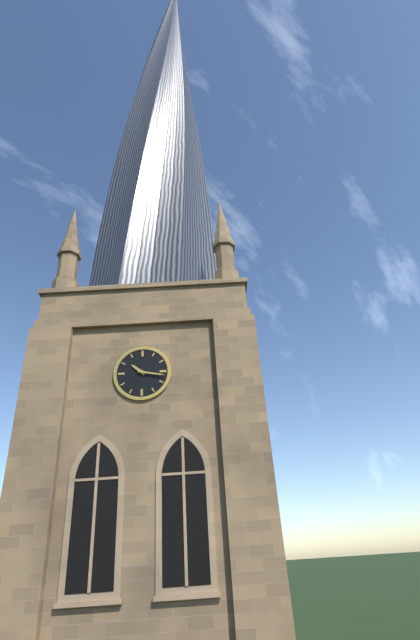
10:17
